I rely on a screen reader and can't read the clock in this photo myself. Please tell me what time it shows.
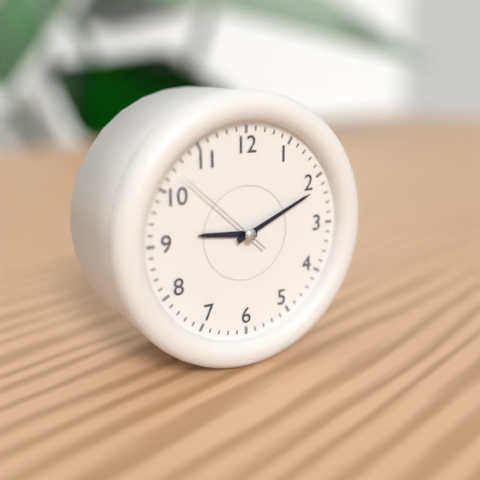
9:11:52
